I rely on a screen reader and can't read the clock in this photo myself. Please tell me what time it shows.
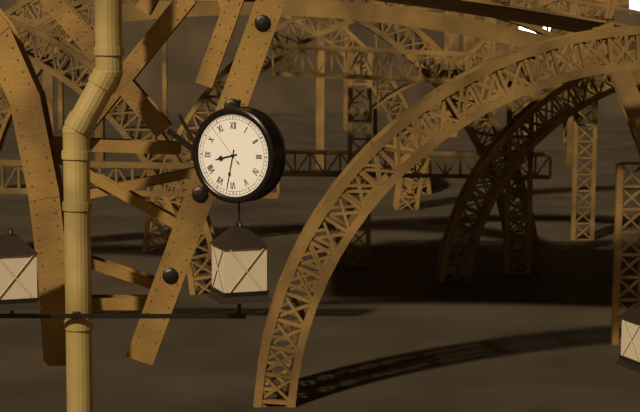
8:32
